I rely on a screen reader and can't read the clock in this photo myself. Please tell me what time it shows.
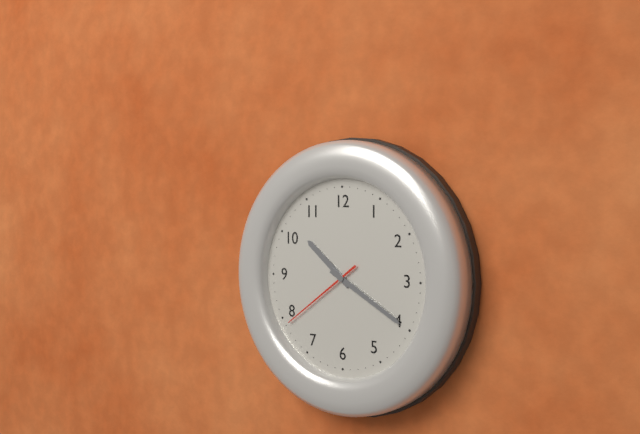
10:20:39
